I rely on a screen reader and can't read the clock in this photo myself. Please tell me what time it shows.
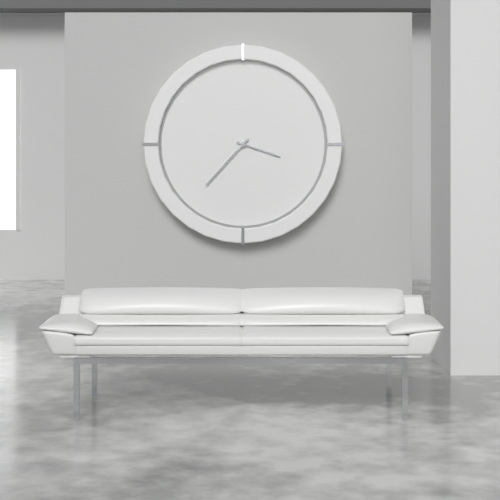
3:37
